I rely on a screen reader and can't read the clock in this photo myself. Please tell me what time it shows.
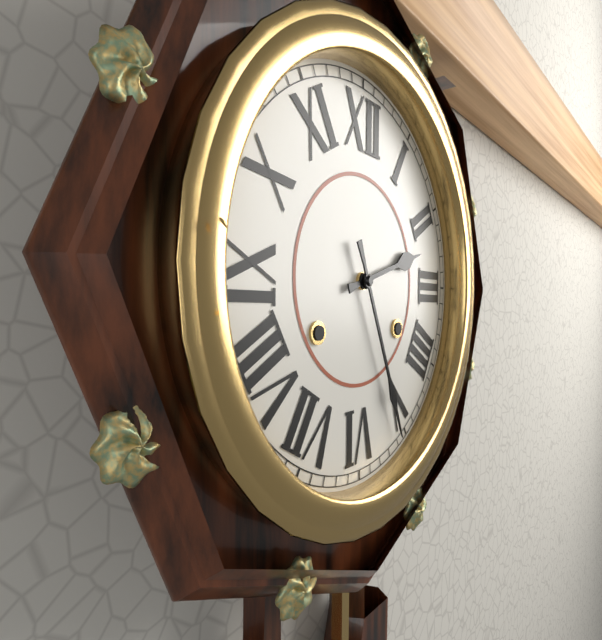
2:26
